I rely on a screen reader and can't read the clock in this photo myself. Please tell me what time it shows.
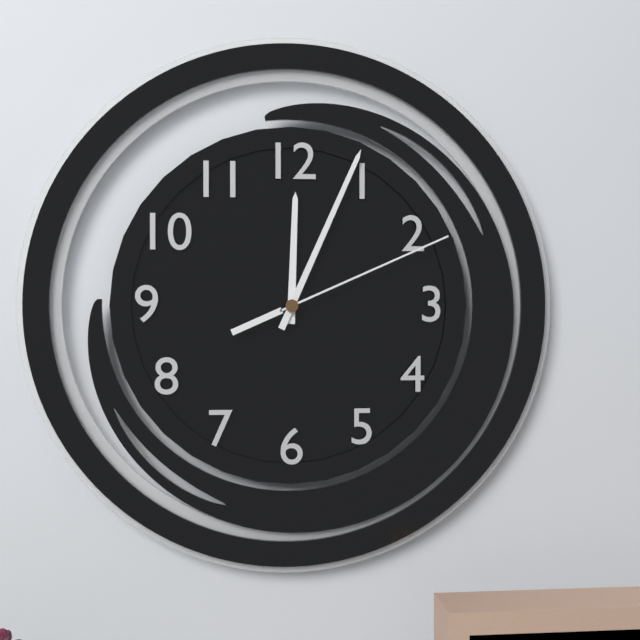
12:04:11
